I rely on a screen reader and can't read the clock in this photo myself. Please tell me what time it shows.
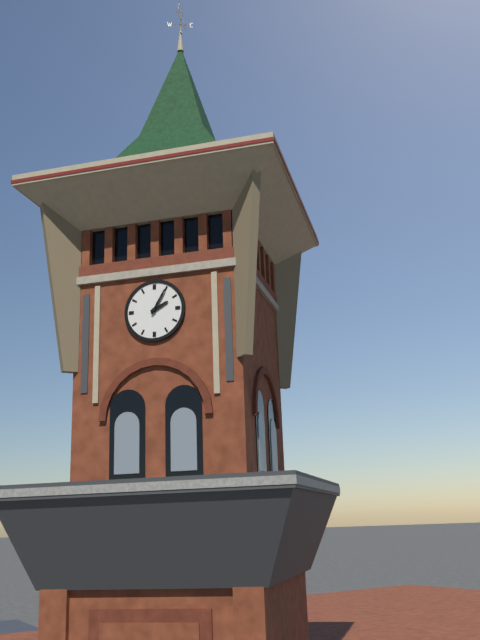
2:05
